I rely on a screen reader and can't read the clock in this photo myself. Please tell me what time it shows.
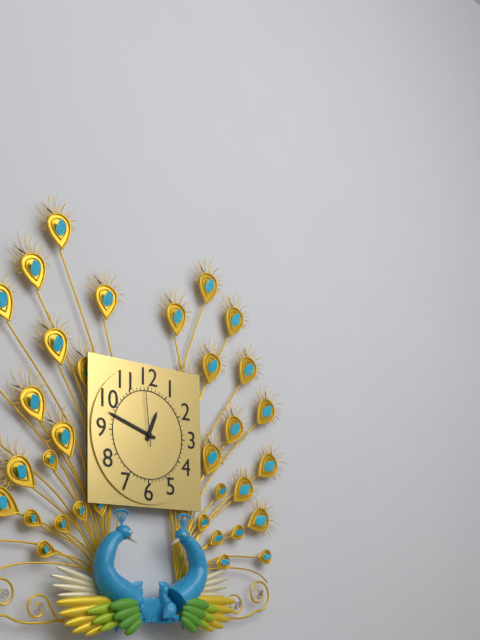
12:48:59
